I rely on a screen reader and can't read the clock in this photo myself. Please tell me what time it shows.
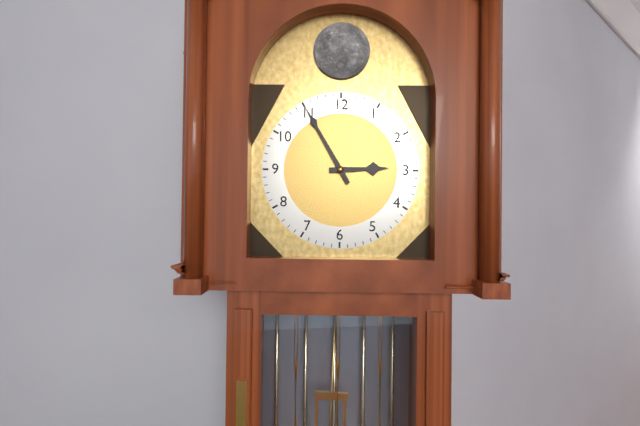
2:55
